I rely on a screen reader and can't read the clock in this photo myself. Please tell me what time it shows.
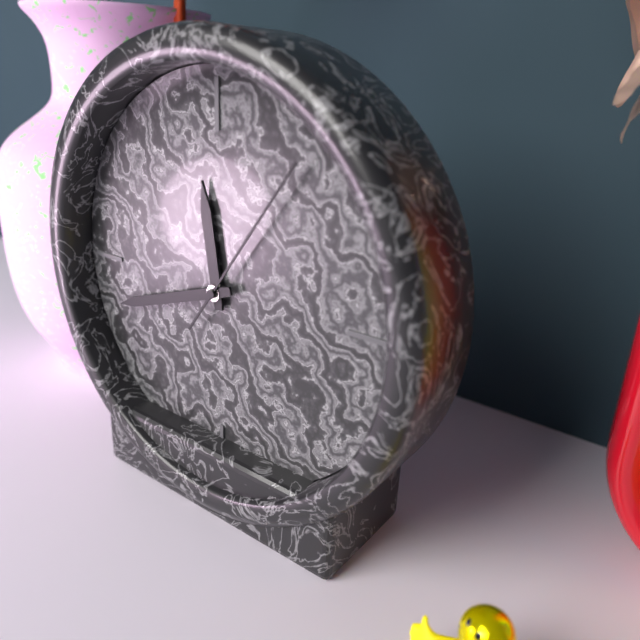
11:42:06
